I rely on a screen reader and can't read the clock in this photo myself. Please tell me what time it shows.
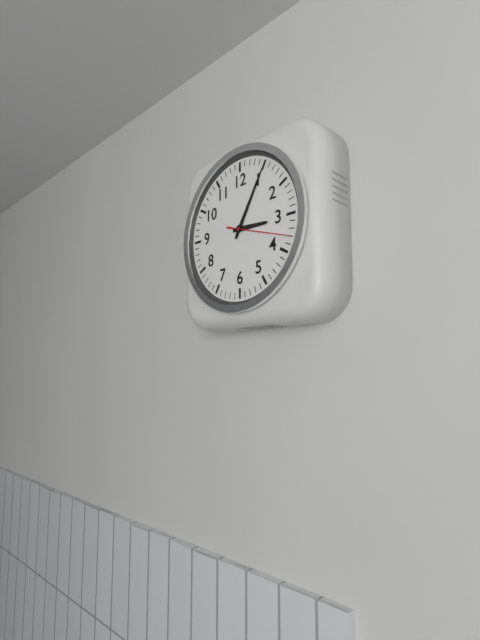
3:05:18
